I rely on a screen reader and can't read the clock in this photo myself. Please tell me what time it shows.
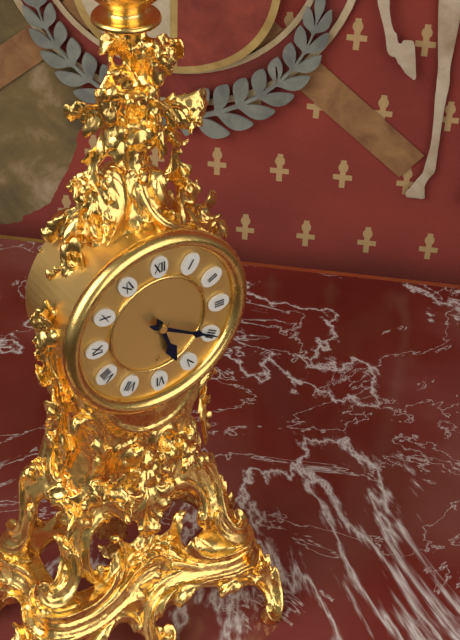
5:20
